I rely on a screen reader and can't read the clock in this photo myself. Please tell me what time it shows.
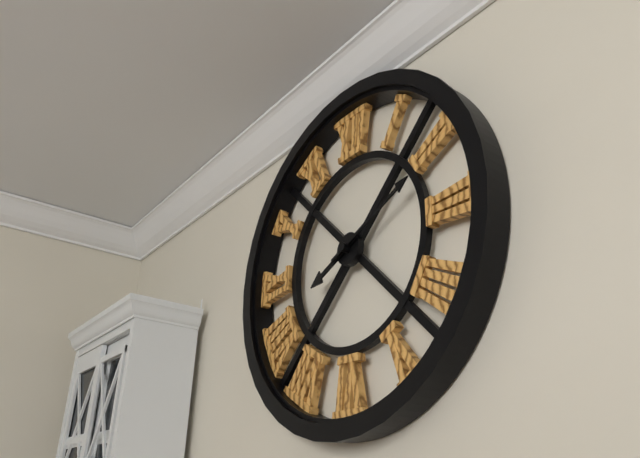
8:11
